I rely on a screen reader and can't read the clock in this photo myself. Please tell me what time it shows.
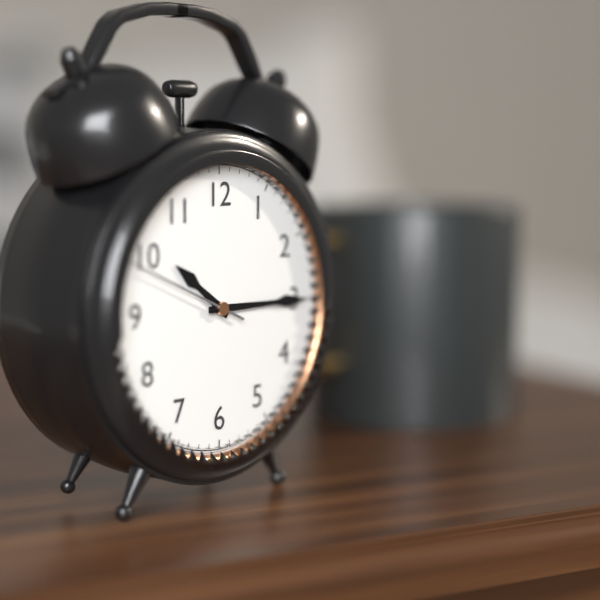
10:15:49
